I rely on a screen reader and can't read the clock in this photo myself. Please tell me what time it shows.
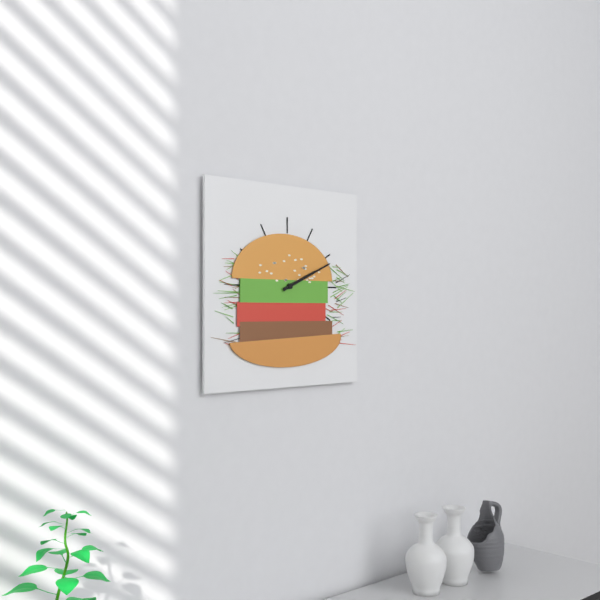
2:11
